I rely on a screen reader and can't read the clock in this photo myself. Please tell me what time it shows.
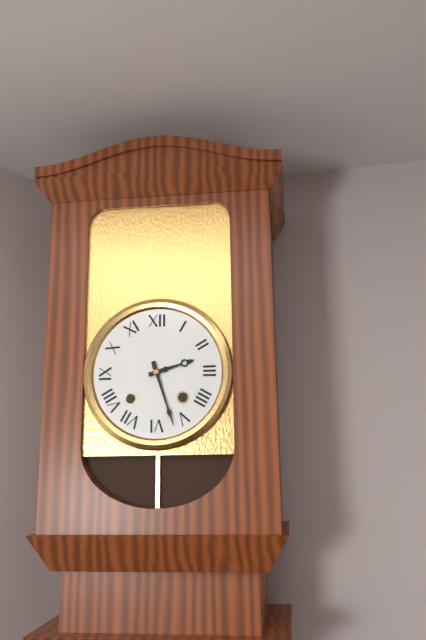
2:27
